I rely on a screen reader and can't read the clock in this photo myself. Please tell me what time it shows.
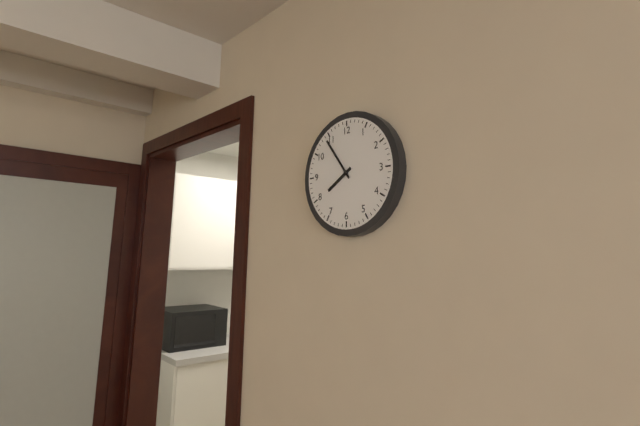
7:54
